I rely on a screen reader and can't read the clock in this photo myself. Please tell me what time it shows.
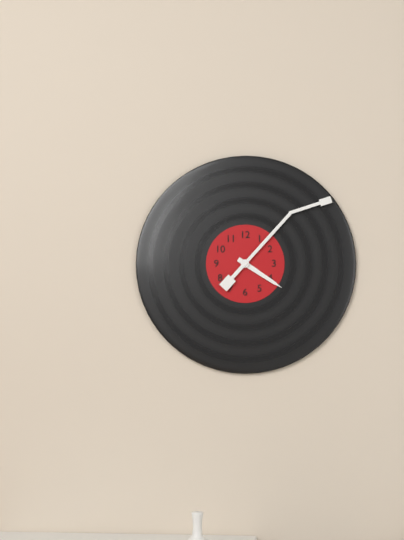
4:07
